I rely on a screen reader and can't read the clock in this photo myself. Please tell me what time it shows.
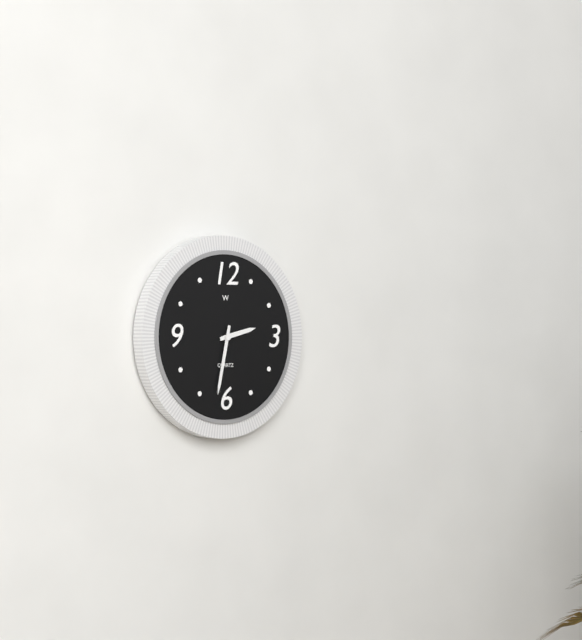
2:32
